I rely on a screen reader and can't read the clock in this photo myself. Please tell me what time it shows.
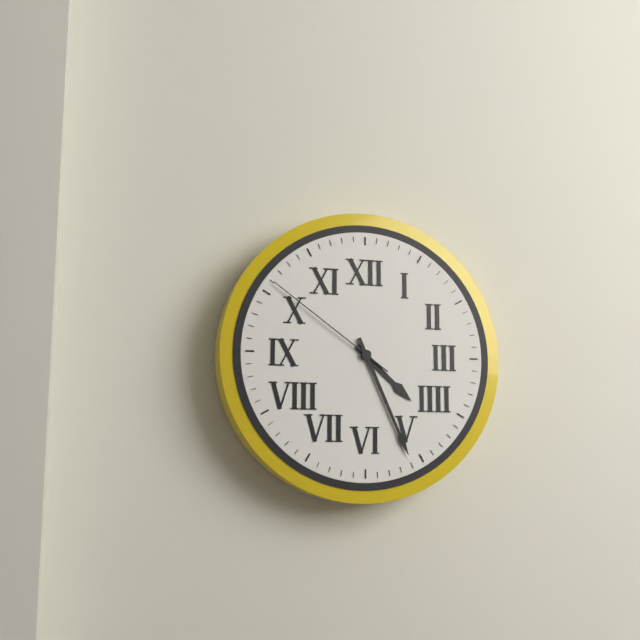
4:26:51
